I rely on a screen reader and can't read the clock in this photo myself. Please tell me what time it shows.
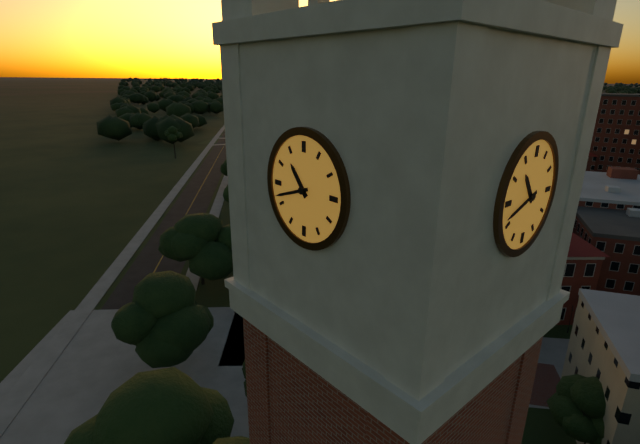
10:42
